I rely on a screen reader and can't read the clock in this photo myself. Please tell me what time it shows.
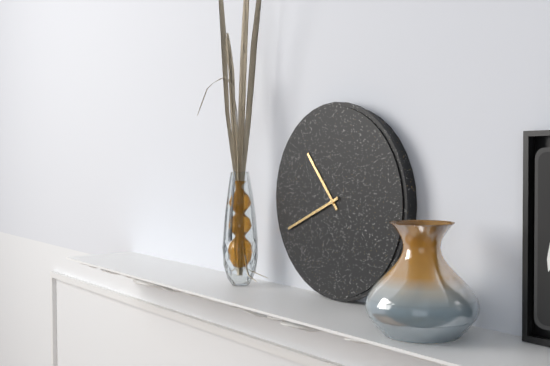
10:41
